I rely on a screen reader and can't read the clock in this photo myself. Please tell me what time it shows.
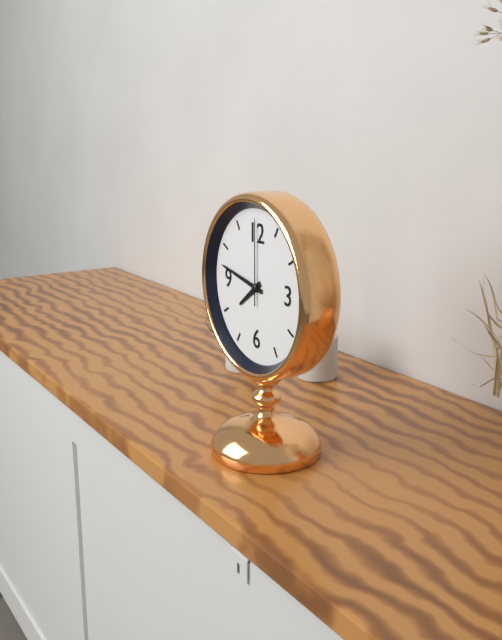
7:47:00
